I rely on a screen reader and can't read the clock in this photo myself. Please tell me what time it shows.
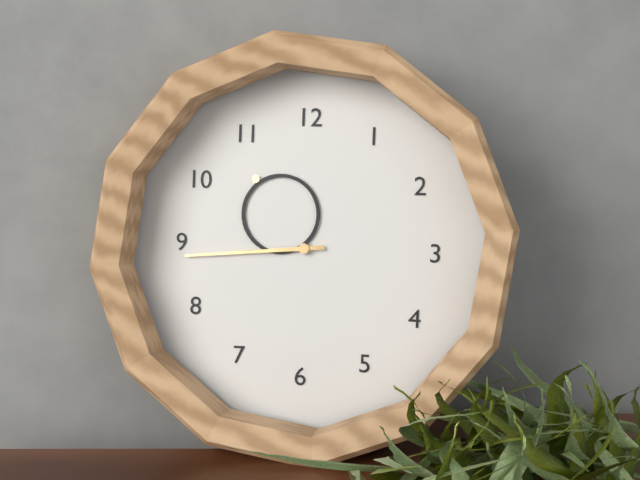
10:44
